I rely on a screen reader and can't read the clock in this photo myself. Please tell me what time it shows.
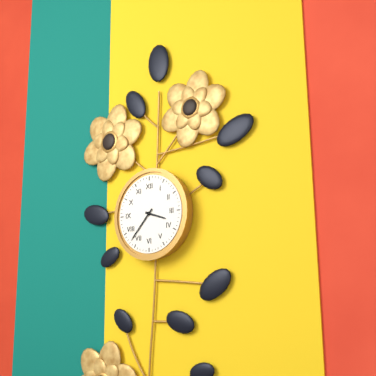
3:37
